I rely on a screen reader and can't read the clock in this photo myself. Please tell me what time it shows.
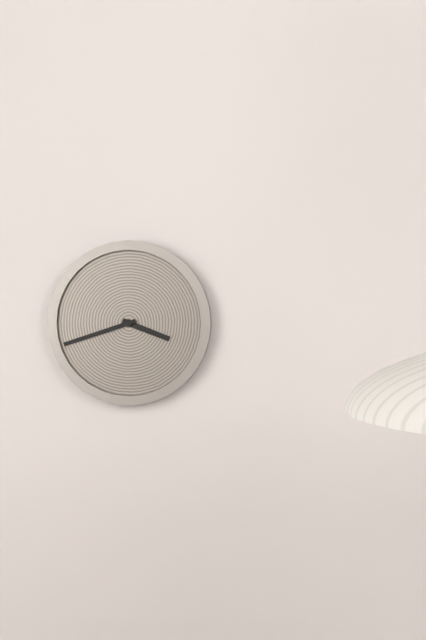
3:42
